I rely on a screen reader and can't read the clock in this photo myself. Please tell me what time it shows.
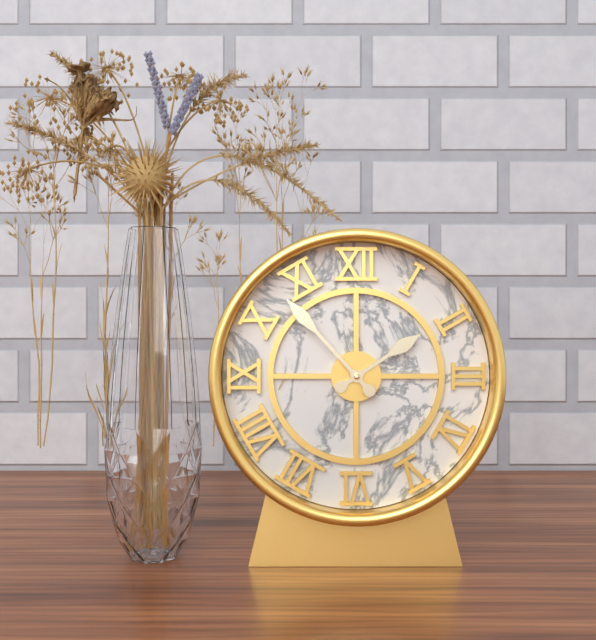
1:53
